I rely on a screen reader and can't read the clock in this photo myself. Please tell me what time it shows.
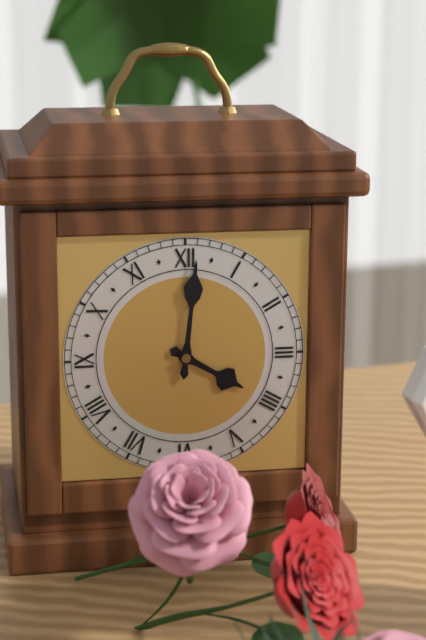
4:01
